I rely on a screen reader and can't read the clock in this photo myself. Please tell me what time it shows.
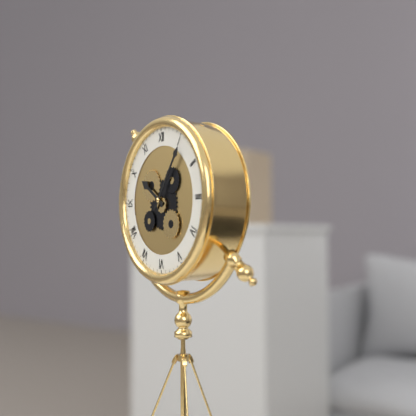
10:06
